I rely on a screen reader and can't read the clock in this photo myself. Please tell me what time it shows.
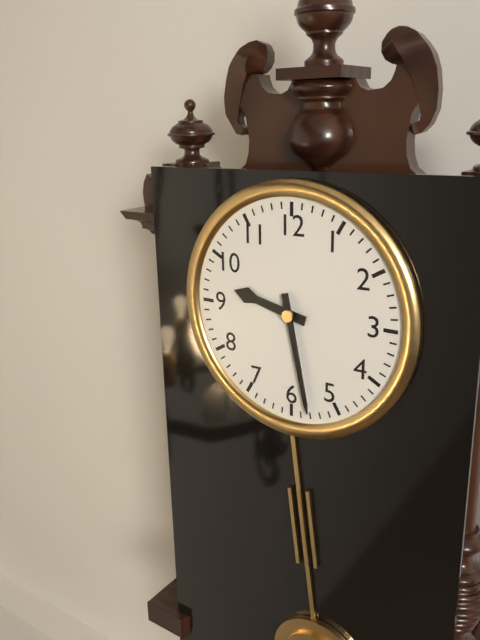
9:28
